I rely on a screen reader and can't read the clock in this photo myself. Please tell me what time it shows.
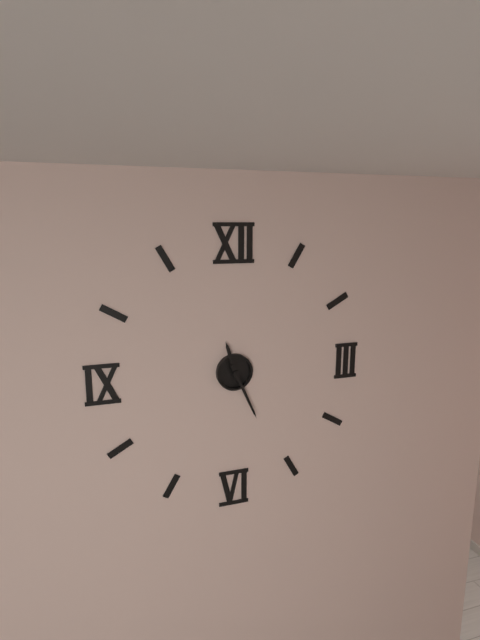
11:26
